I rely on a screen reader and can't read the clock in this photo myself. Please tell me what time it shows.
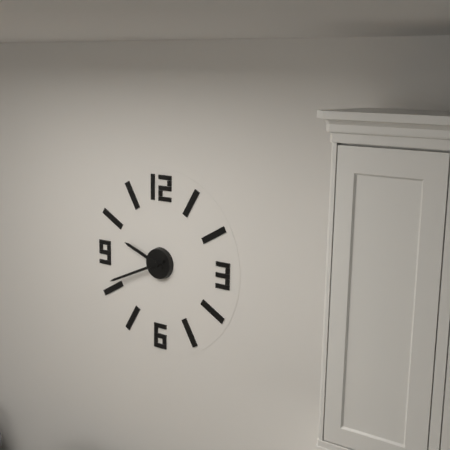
9:41
